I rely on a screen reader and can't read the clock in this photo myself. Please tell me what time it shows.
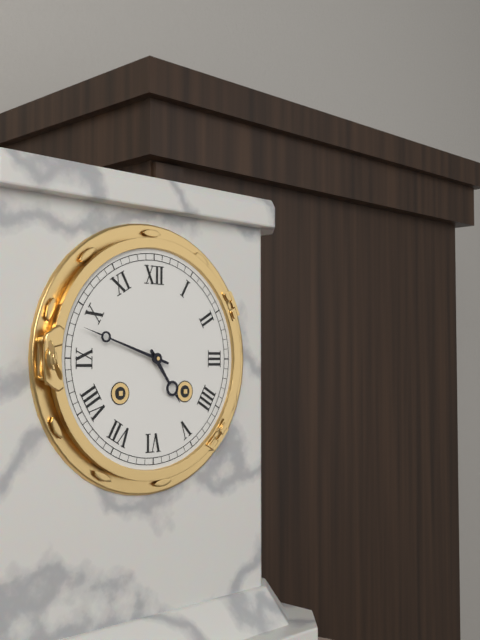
4:48
